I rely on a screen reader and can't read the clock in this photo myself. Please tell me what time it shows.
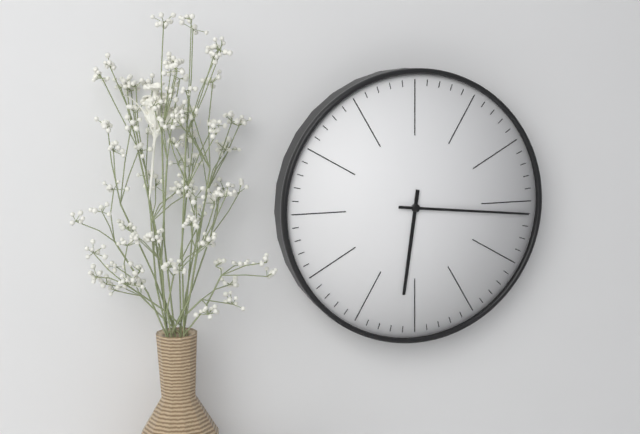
6:16
